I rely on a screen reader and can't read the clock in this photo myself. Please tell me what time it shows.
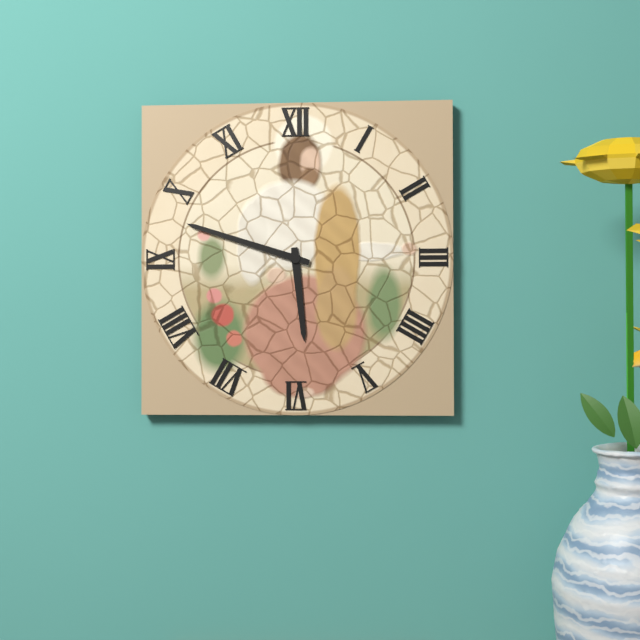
5:48
